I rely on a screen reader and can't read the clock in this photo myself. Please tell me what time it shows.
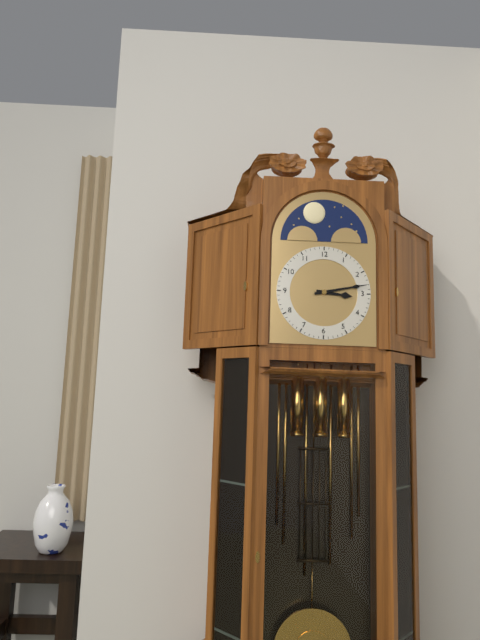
3:13
